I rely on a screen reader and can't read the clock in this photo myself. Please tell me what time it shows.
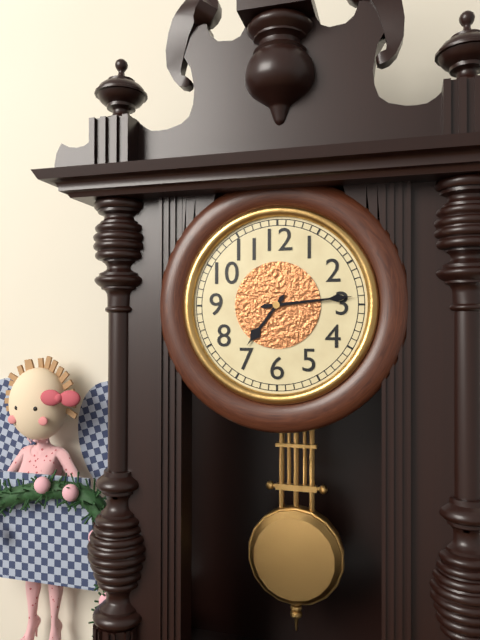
7:14
